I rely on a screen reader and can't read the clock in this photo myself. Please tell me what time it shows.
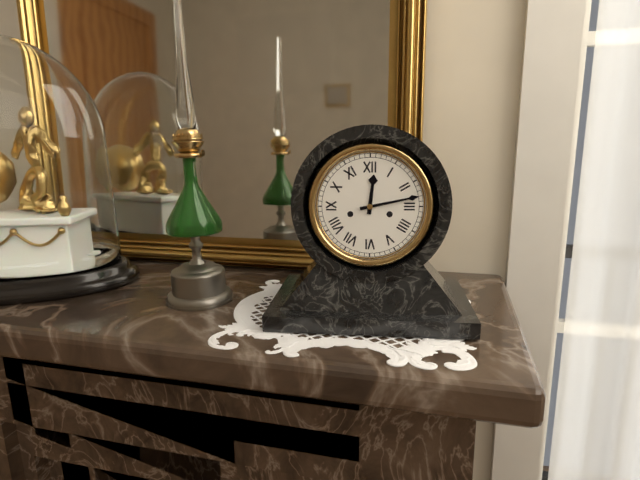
12:13
